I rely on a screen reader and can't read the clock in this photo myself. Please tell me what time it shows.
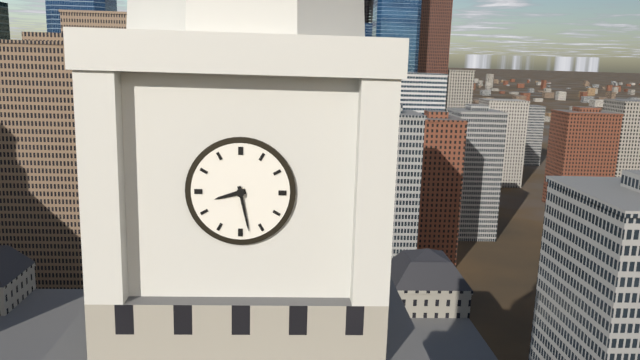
8:28
